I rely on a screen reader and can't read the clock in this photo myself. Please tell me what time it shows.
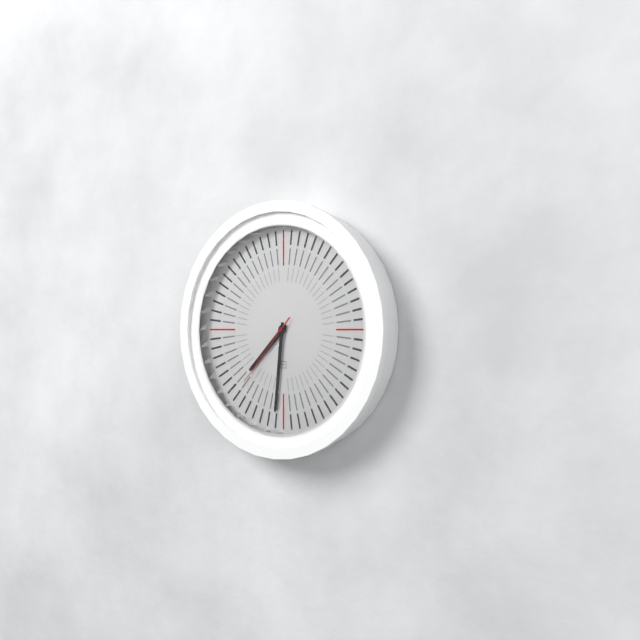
7:31:37
